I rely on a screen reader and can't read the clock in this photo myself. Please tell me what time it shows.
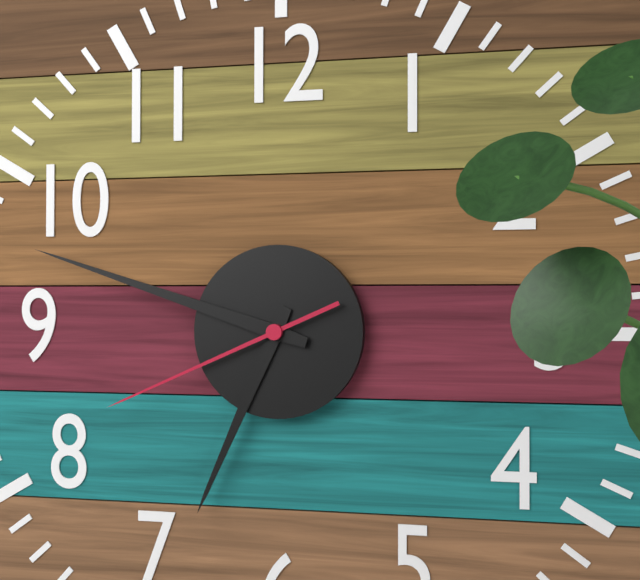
6:48:41
